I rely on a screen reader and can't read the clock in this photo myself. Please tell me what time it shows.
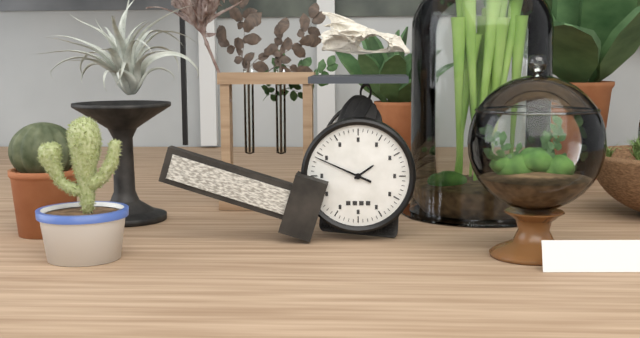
1:49
